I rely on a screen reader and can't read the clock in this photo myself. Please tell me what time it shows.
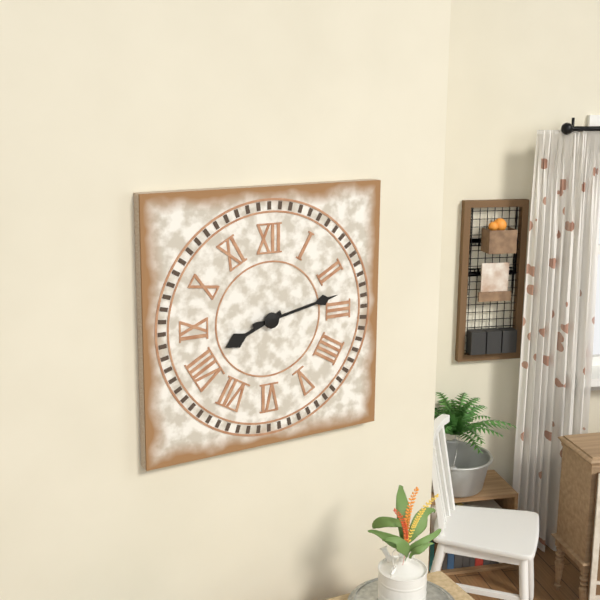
8:13
